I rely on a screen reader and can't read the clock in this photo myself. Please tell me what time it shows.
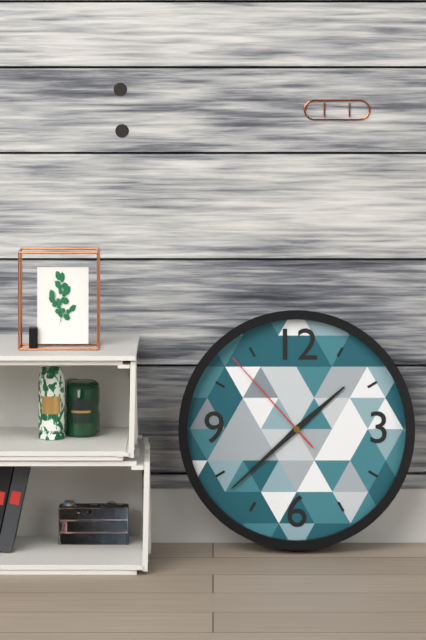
1:38:53
